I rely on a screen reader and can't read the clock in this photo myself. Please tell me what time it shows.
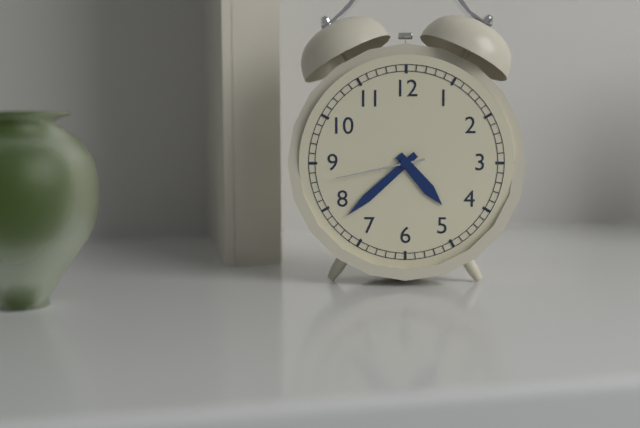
4:38:43
